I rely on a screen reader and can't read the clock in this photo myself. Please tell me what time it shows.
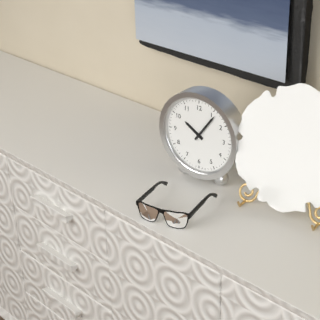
10:06
